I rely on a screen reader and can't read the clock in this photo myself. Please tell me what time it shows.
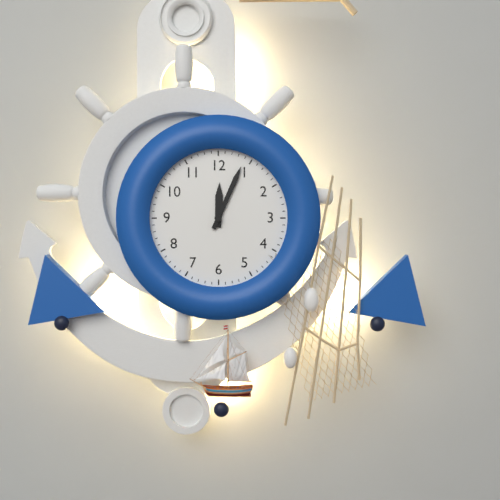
12:04
